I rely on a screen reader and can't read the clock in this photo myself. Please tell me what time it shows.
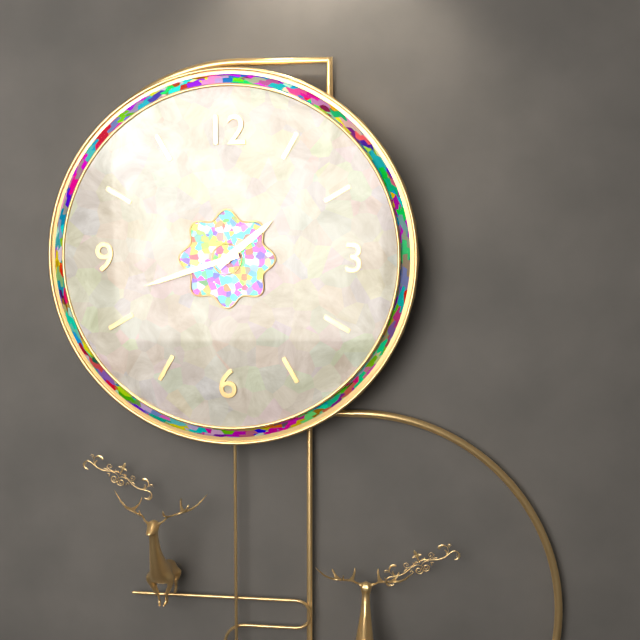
1:42
